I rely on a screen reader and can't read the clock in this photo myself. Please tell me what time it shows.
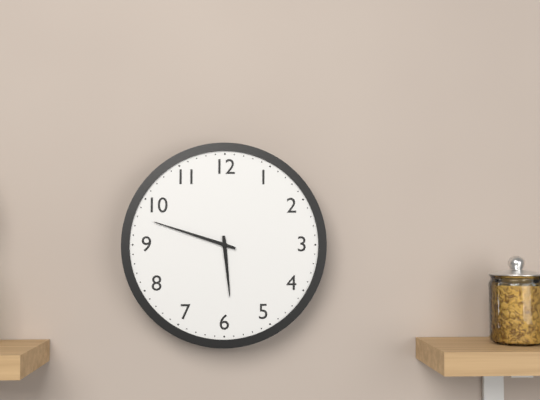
5:48
